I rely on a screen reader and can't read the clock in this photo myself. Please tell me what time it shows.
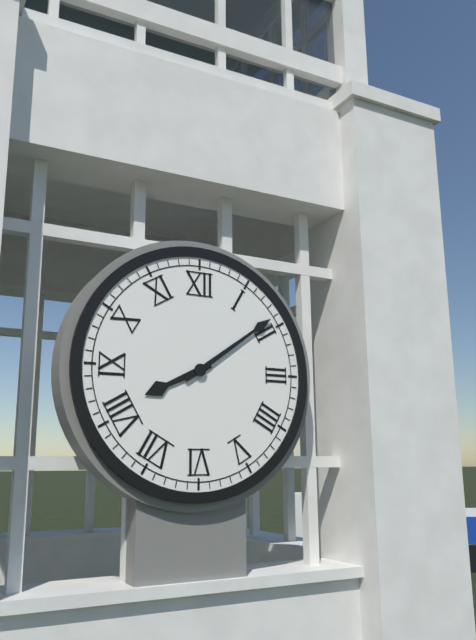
8:09
